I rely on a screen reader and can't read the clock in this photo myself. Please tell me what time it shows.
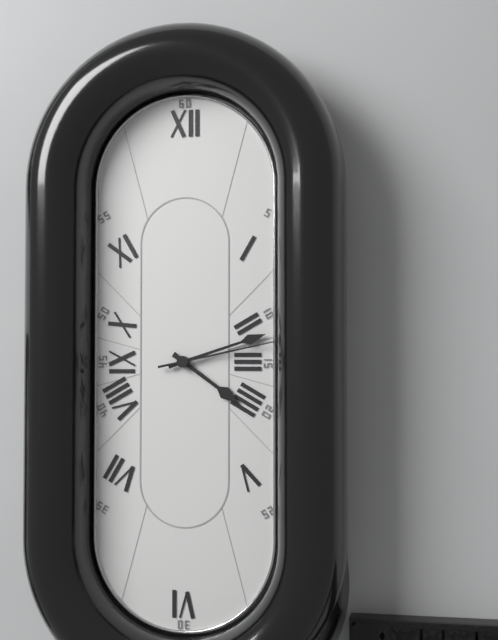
4:12:13
